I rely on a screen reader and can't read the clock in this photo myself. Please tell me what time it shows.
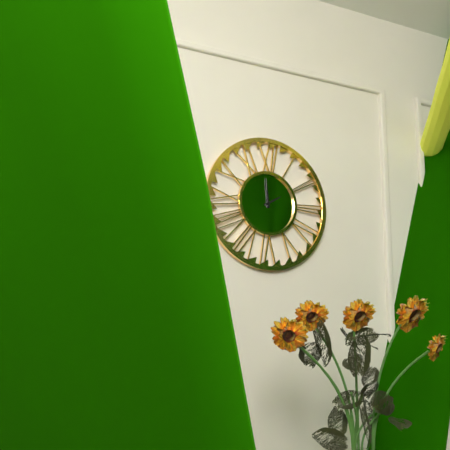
1:59
